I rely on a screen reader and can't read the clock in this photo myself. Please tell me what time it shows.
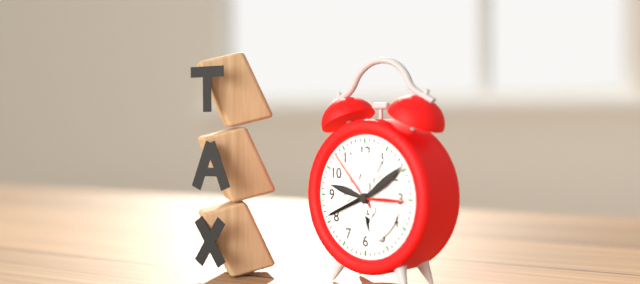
5:41:53
